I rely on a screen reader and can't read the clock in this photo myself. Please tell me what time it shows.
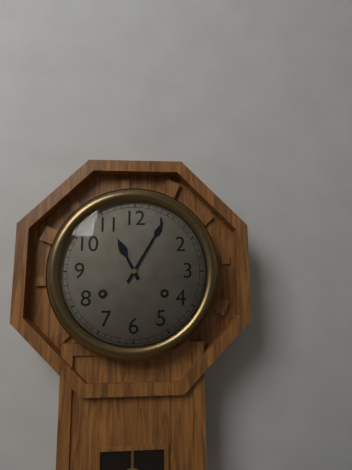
11:05
